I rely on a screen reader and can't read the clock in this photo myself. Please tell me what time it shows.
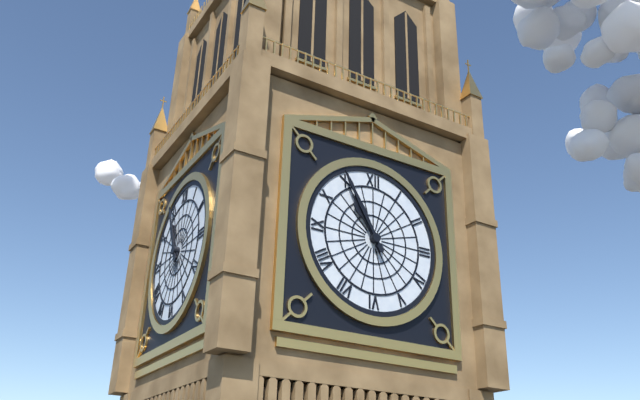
10:55
